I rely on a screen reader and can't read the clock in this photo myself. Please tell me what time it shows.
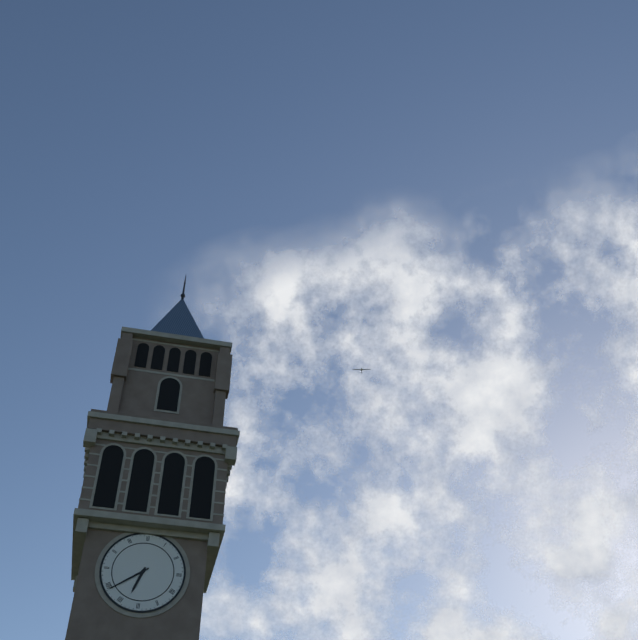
6:39
